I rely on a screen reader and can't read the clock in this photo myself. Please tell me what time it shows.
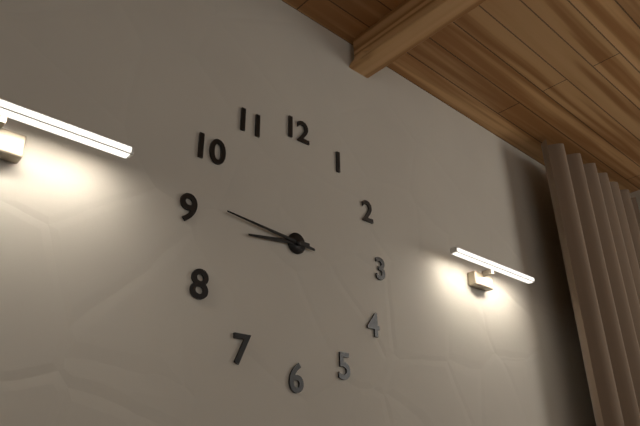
8:46
